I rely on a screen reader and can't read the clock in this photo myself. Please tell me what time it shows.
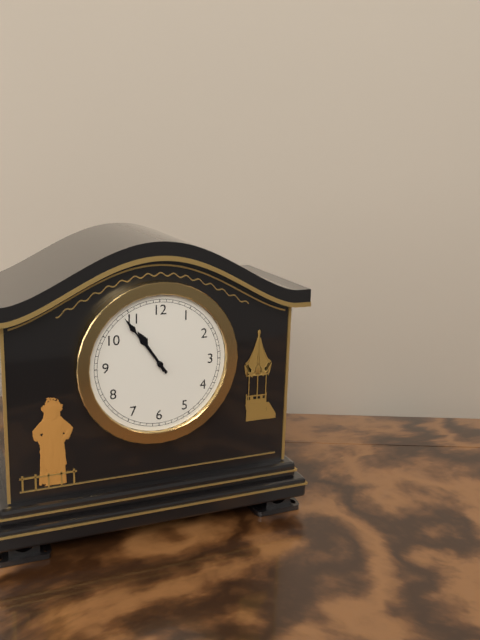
10:54
